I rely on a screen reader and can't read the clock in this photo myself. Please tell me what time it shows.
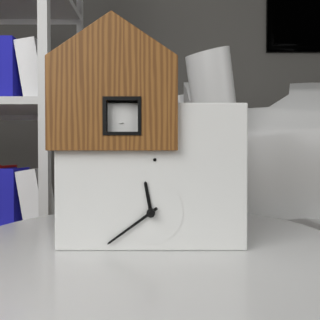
11:39
